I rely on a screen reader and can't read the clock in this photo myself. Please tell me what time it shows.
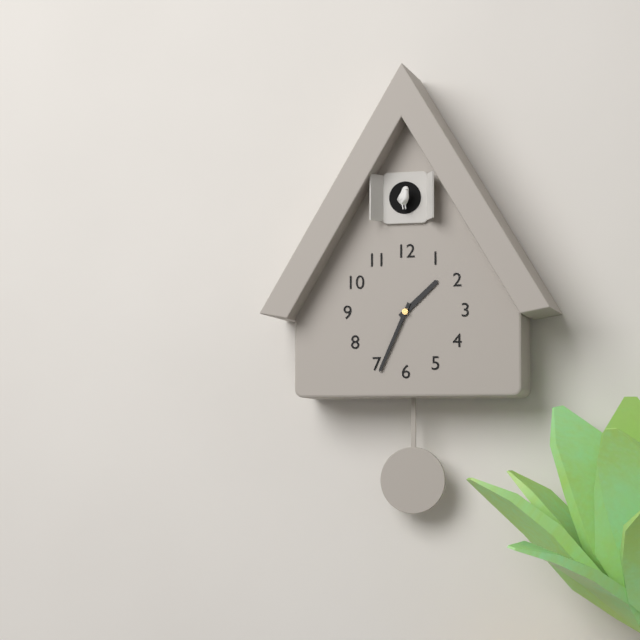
1:34
